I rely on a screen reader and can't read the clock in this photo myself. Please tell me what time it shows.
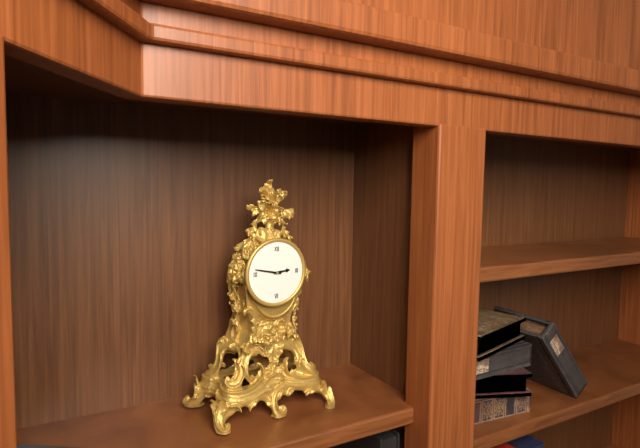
2:47
